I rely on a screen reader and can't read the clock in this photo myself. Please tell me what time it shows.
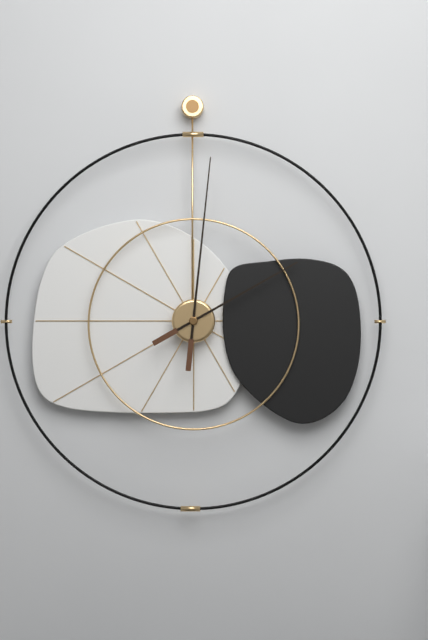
2:01
